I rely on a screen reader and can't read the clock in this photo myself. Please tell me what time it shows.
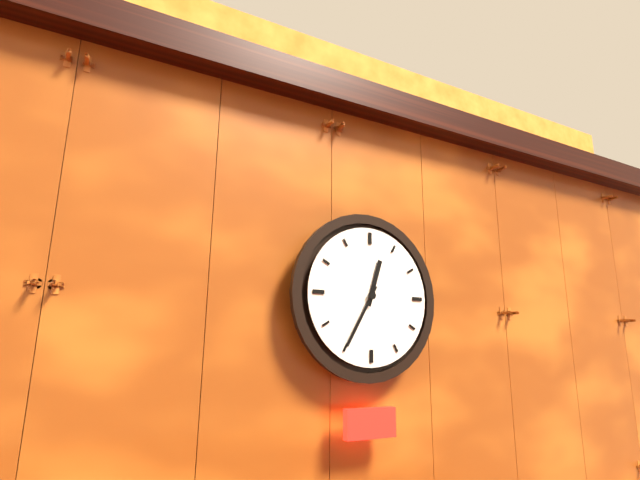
12:35
